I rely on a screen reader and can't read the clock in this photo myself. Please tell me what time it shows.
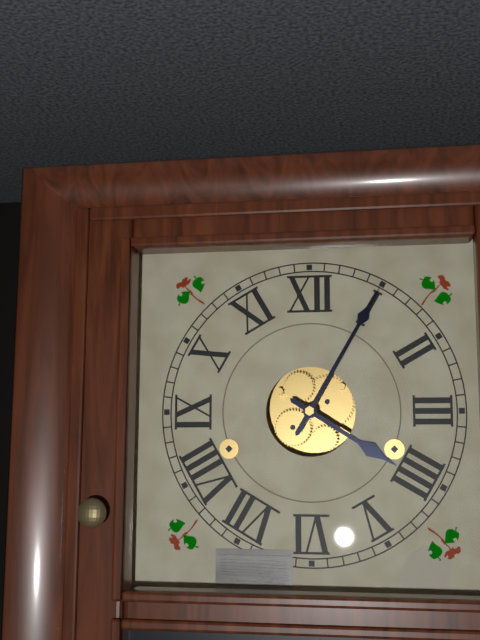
4:05
